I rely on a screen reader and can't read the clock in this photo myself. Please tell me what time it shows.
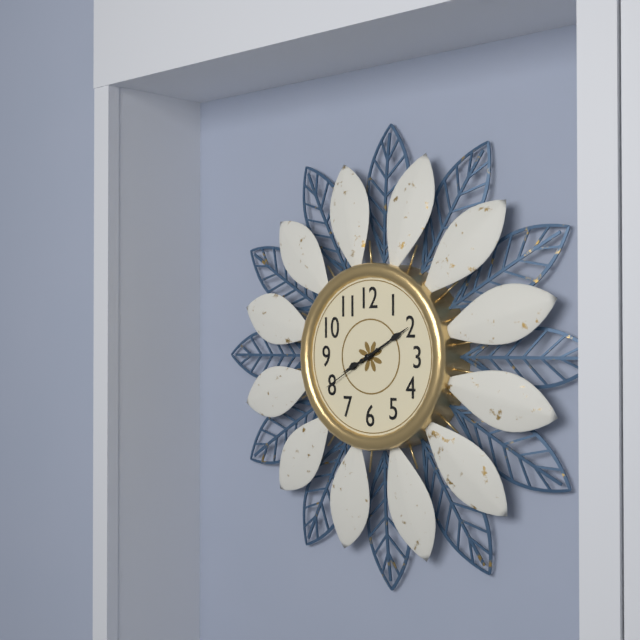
8:10:40
